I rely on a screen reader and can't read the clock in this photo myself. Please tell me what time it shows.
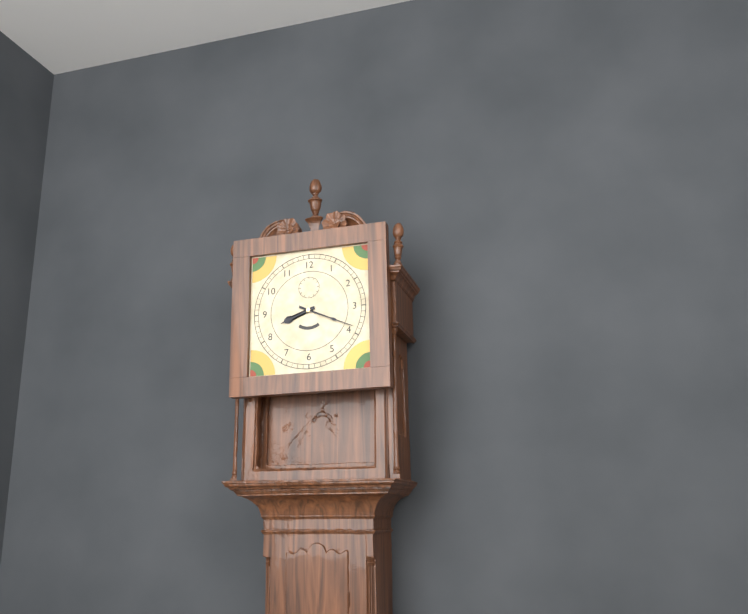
8:19
